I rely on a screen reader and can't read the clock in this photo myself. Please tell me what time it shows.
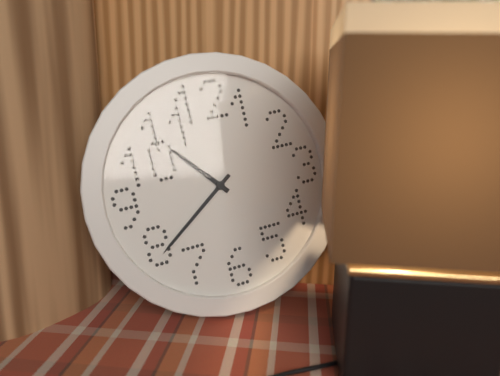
10:39
